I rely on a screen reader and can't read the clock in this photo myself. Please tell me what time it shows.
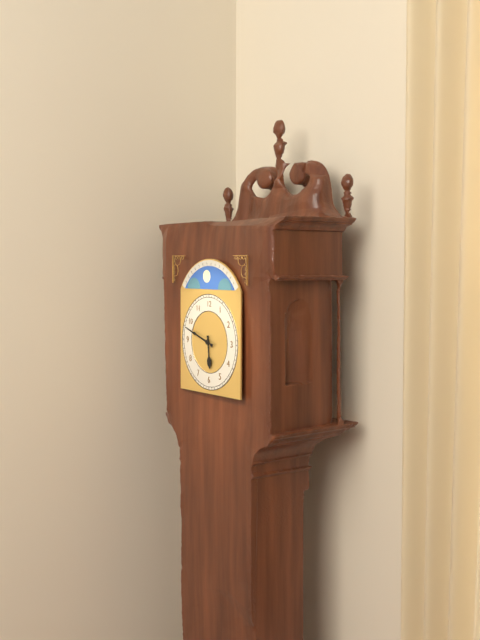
5:48
